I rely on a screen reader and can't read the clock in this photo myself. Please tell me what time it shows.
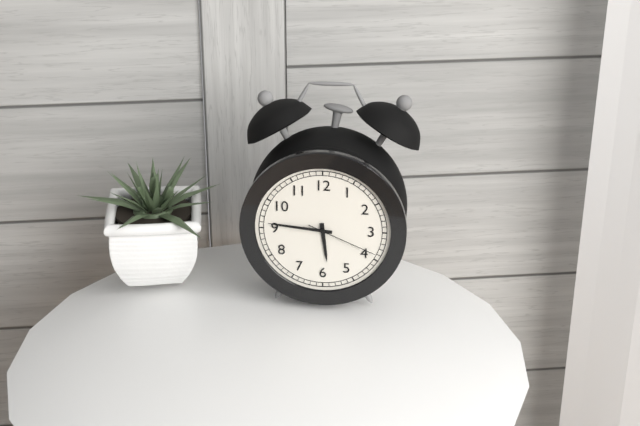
5:46:19
